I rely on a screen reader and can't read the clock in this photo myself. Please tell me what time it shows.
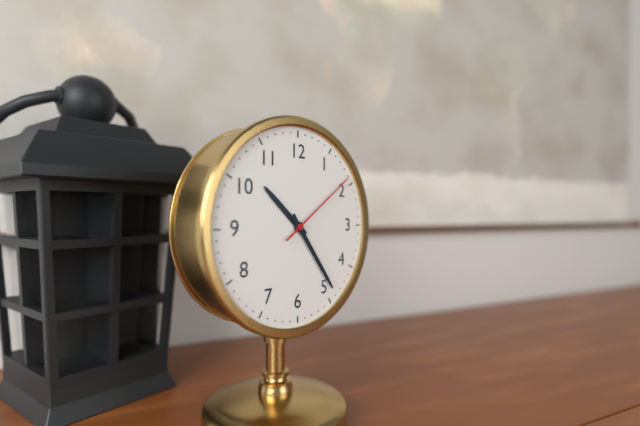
10:24:09
